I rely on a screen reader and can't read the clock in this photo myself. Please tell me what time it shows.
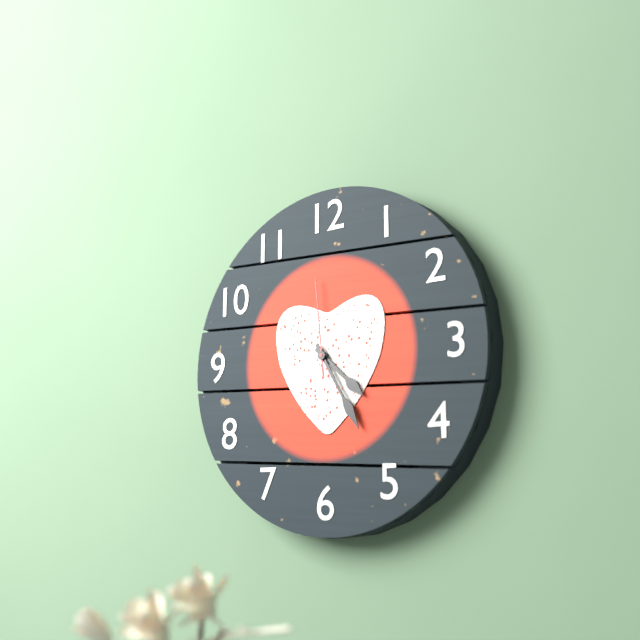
4:25:59
